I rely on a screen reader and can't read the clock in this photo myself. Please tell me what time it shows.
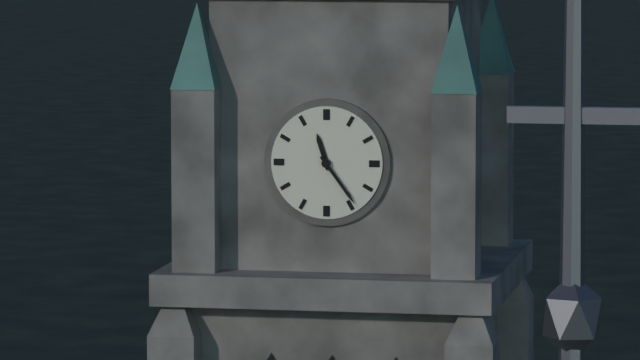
11:24
